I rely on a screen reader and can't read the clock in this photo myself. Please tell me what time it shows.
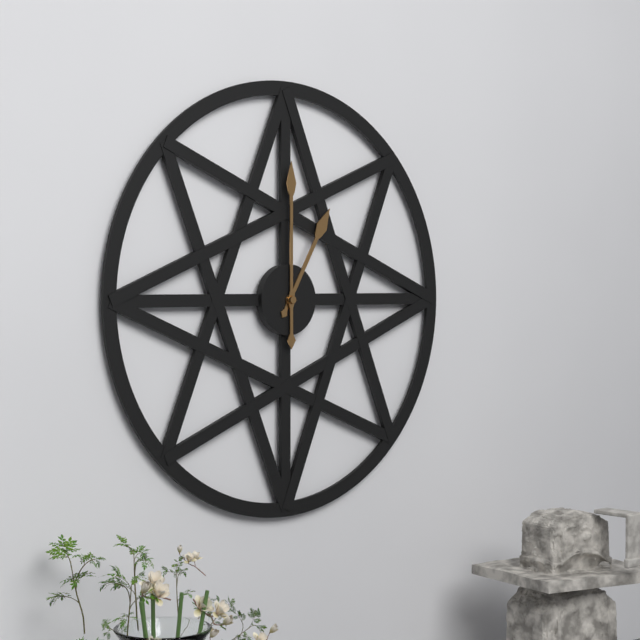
1:00
